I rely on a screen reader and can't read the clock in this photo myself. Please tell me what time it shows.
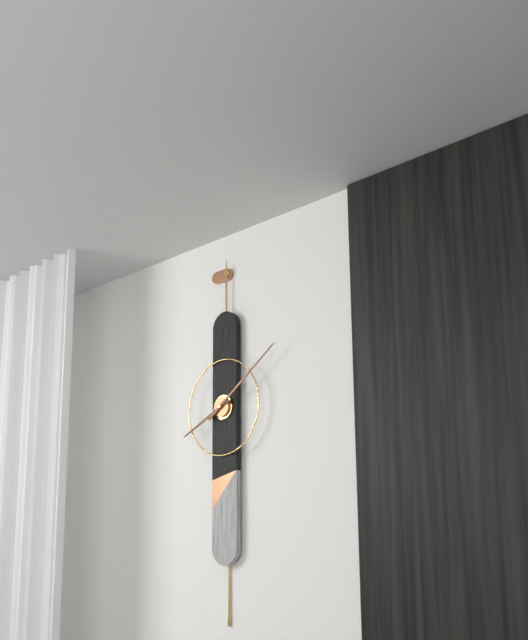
8:09
